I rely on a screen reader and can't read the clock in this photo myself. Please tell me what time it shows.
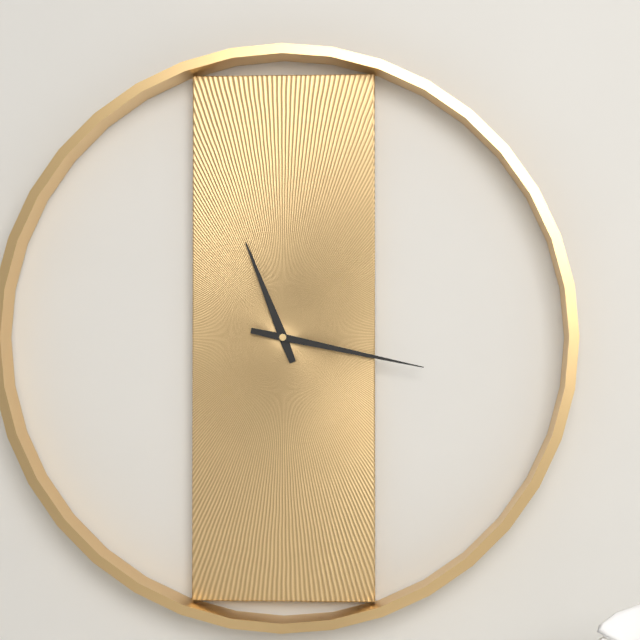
11:17
